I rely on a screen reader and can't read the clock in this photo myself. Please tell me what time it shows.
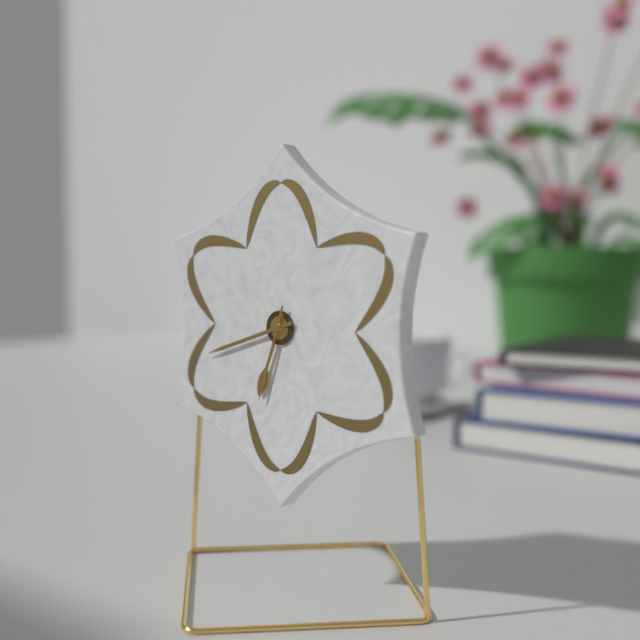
6:42:33
